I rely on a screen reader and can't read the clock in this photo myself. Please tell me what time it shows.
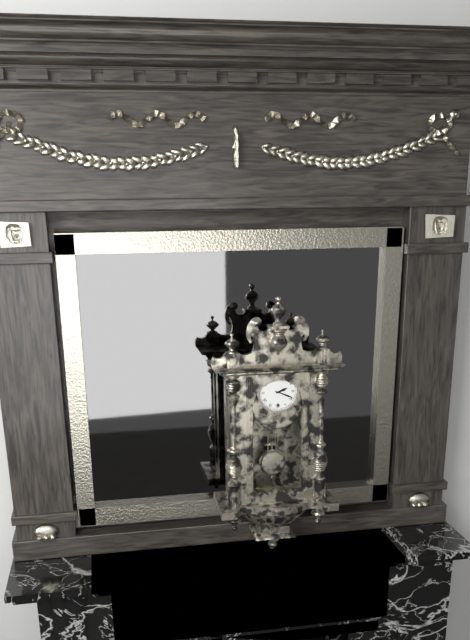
2:19
